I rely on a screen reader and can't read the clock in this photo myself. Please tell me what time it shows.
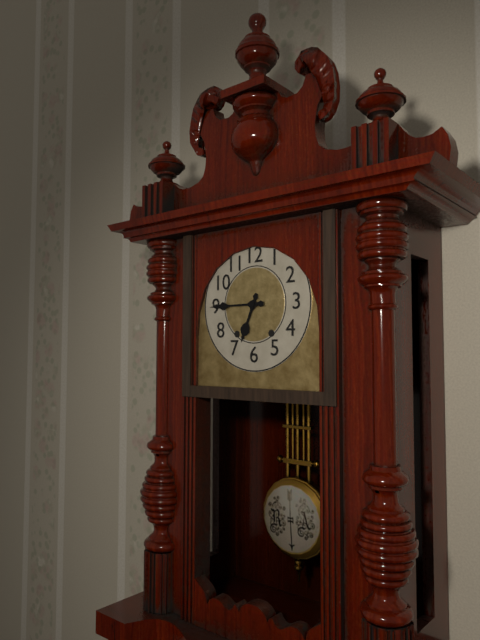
6:45
